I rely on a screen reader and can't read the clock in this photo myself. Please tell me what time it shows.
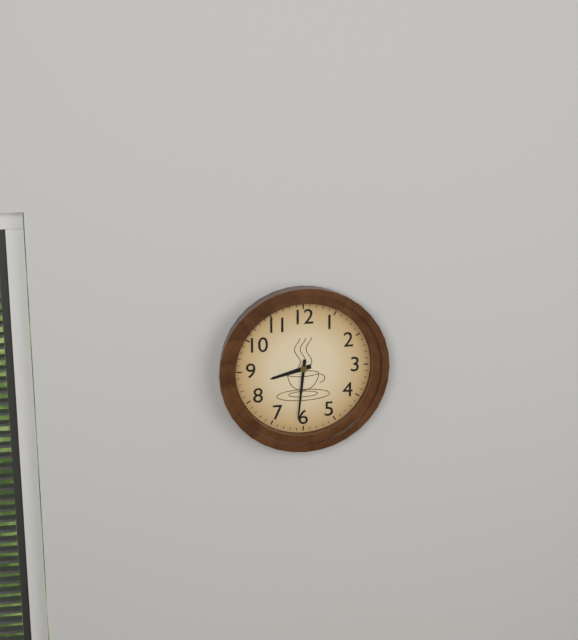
8:31
